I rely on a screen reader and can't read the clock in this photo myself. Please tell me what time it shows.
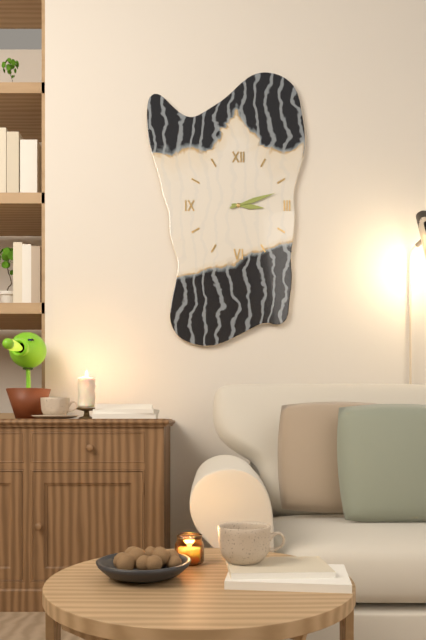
3:12
